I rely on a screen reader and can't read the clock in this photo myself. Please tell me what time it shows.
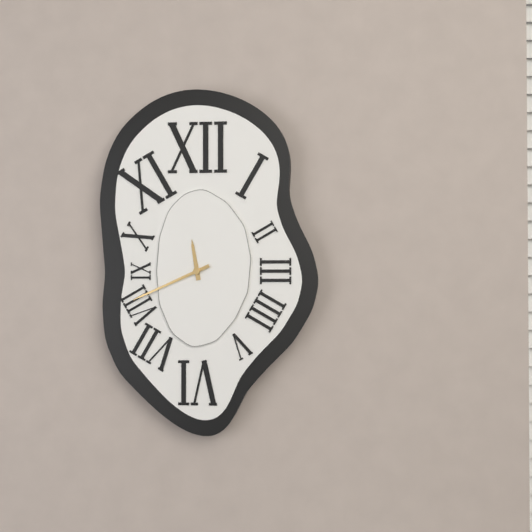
11:41
